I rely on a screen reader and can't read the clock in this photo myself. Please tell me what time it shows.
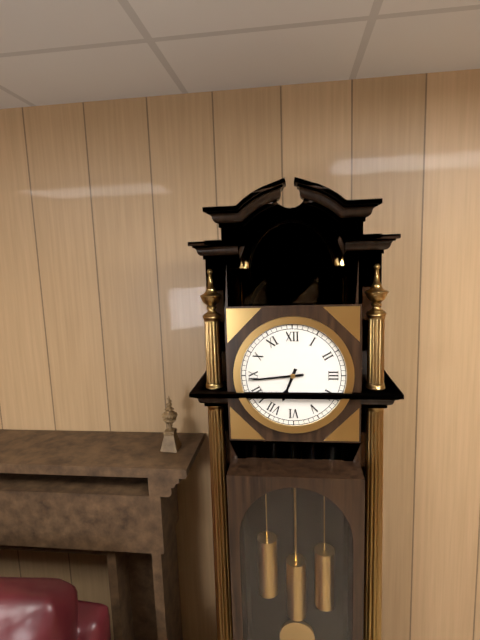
6:44
